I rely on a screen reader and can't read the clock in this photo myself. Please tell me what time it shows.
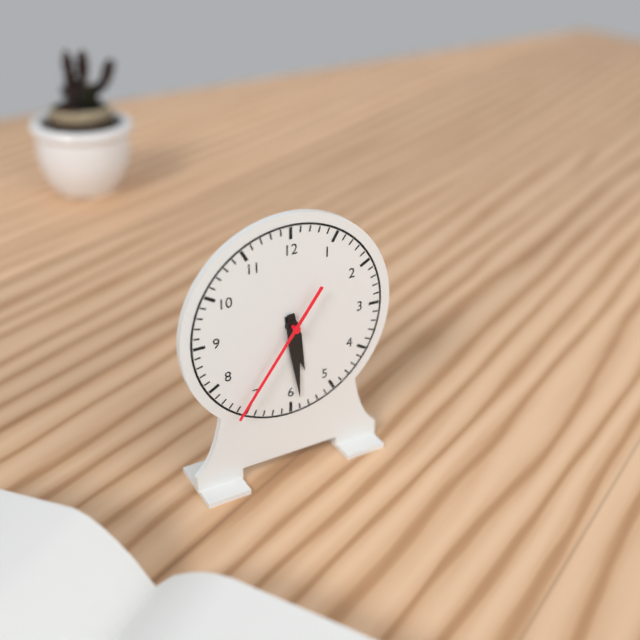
5:29:36
